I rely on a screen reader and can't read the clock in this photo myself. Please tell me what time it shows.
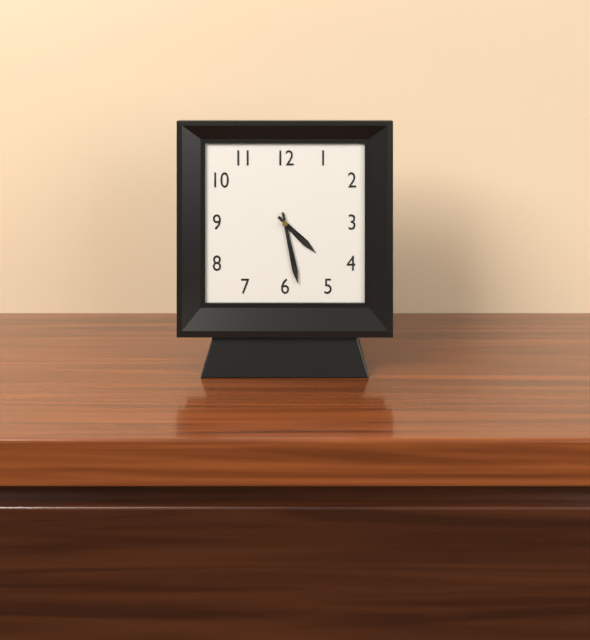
4:28
